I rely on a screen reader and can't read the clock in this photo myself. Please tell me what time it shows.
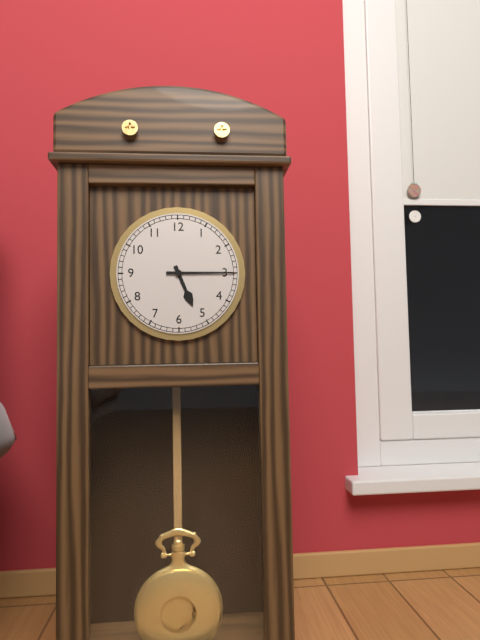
5:15
